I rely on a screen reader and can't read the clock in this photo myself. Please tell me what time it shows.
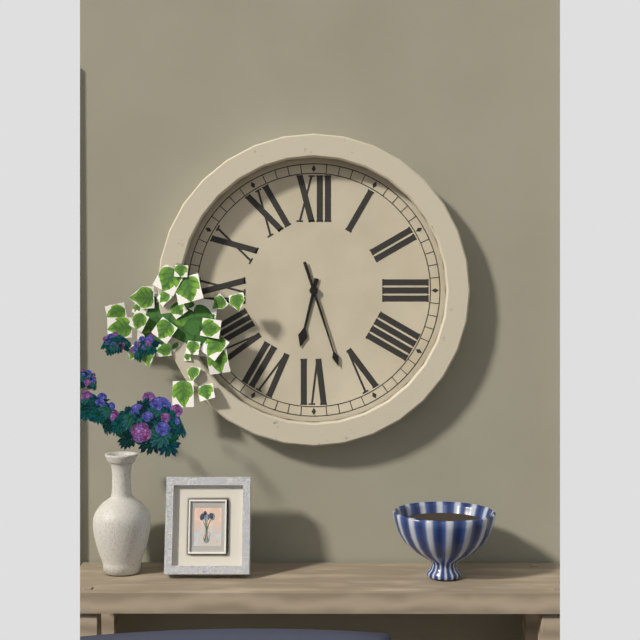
6:27
